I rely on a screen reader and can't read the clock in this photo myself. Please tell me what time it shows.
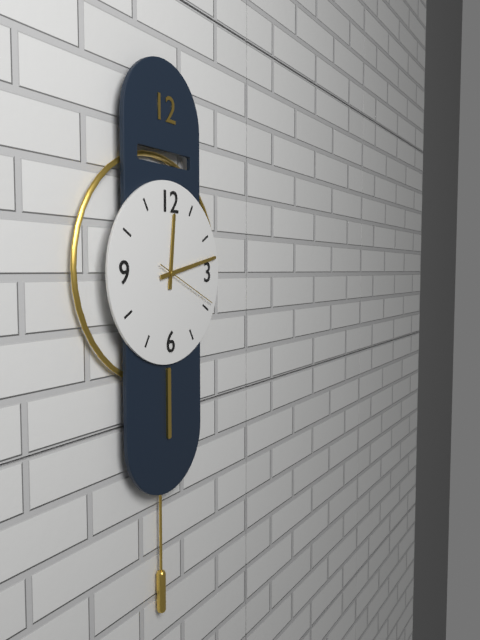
12:13:19
